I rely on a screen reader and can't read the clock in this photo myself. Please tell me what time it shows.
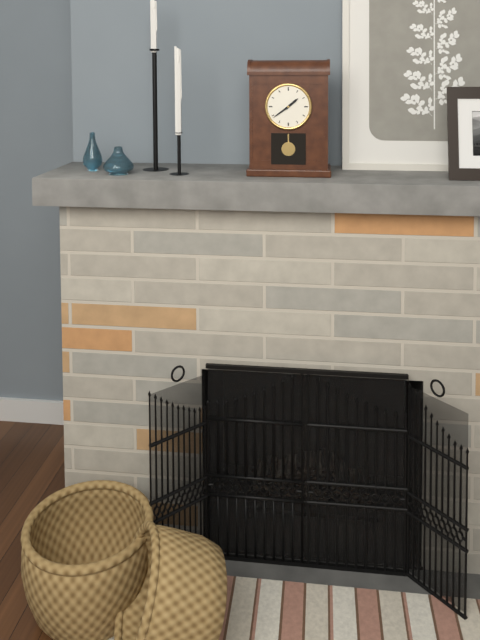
1:39
